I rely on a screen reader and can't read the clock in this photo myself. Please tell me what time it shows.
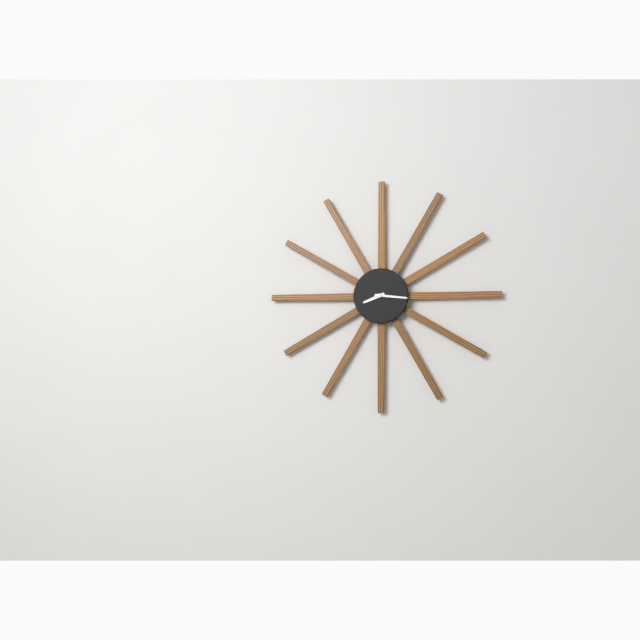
8:16
